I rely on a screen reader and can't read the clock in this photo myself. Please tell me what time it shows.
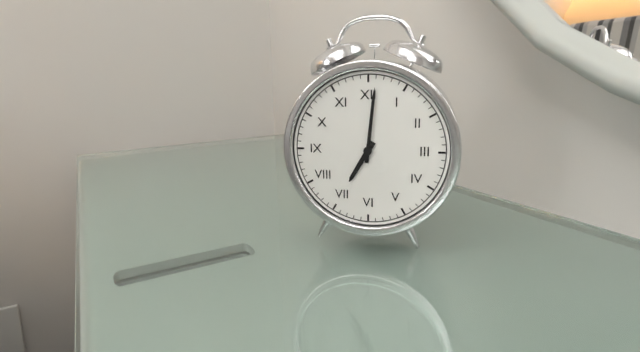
7:01
